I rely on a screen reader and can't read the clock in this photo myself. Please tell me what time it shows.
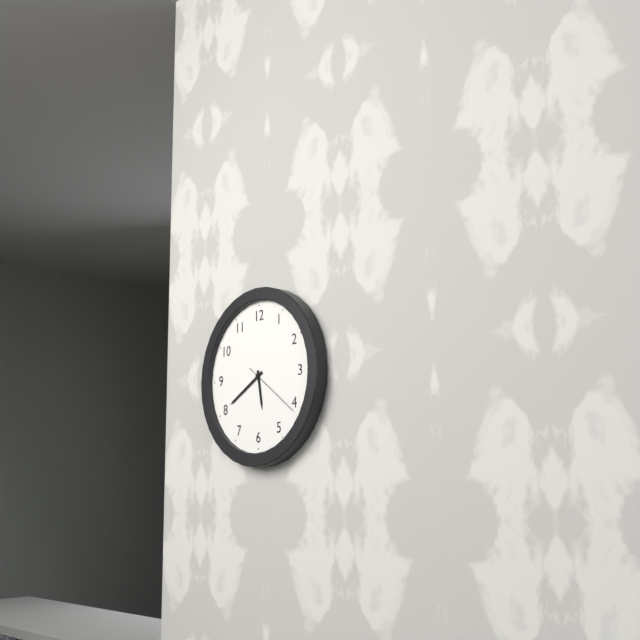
5:40:21
